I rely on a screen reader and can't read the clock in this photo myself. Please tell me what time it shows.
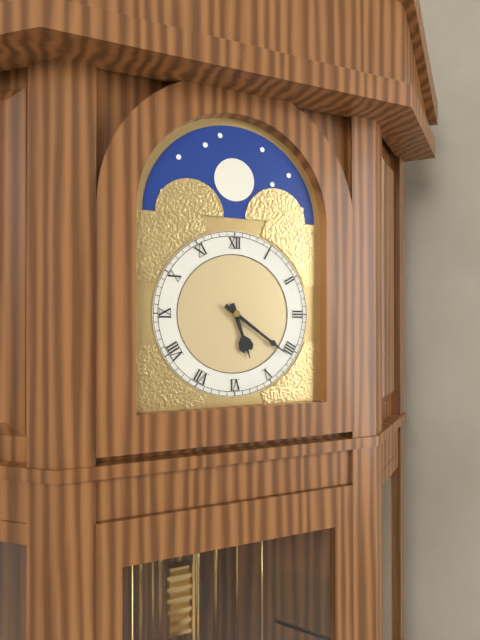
5:21
